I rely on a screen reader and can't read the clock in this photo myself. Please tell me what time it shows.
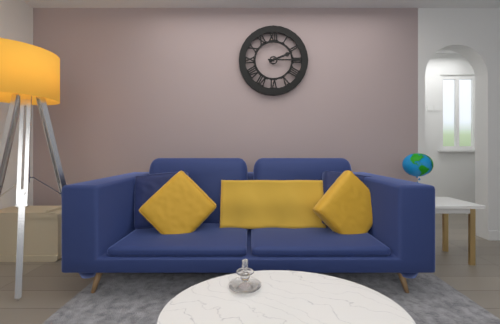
2:15
